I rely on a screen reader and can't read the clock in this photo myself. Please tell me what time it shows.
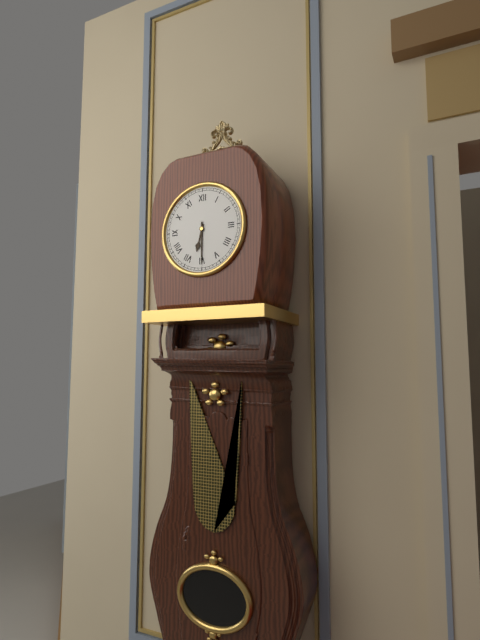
6:30
